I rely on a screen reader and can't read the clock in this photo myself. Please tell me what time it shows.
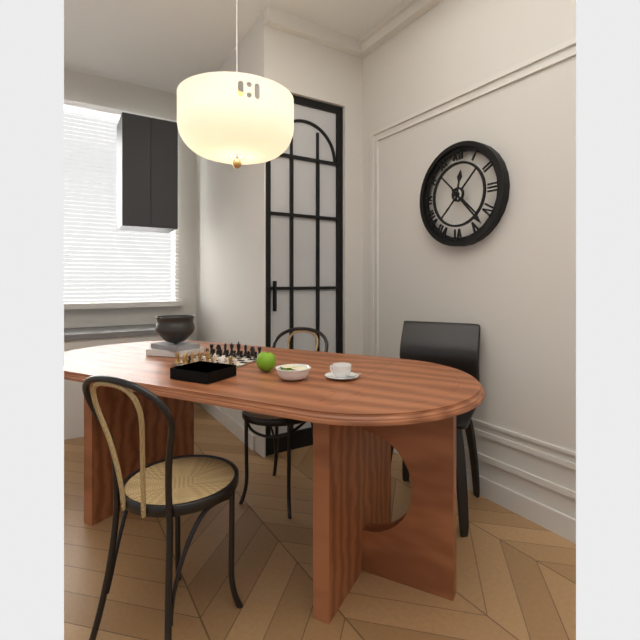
12:23
